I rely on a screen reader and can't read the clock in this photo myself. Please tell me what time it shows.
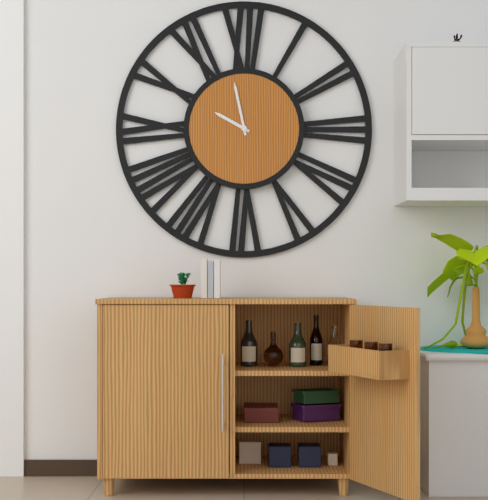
9:58
